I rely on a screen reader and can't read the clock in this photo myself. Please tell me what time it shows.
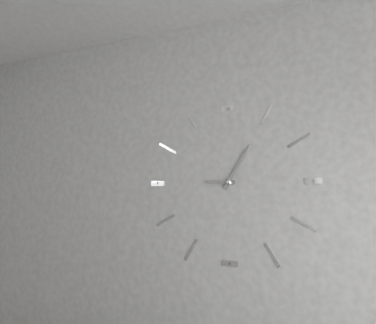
9:05
